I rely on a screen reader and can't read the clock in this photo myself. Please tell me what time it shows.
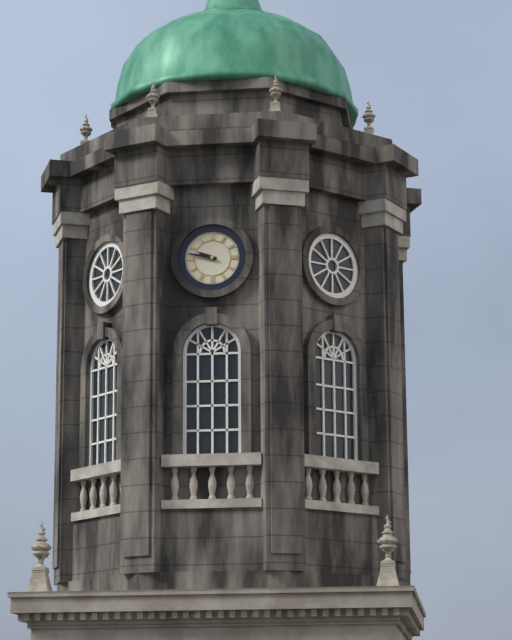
9:47
